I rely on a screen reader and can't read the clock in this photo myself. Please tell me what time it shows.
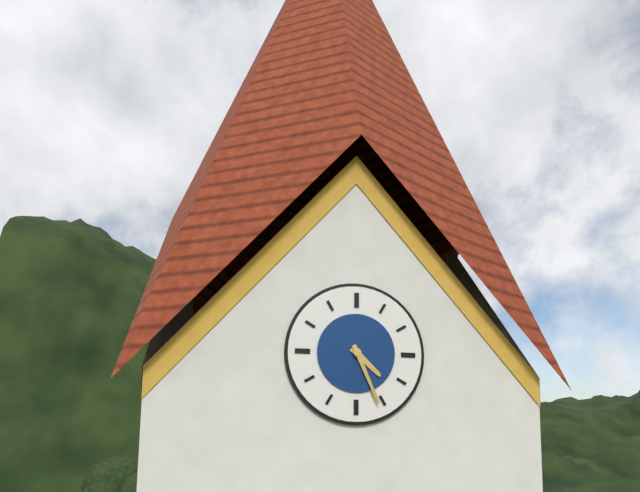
4:26
